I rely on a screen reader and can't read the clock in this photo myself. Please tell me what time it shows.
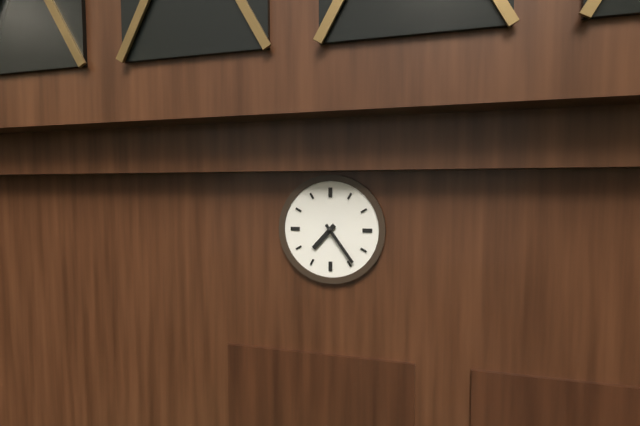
7:24
